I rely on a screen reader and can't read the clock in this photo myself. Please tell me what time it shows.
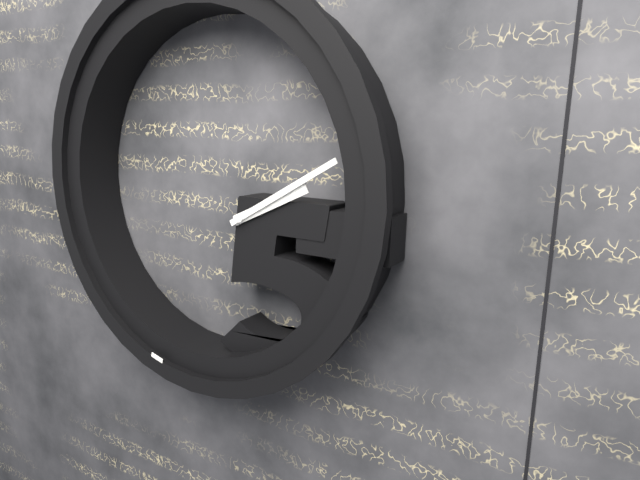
2:10
